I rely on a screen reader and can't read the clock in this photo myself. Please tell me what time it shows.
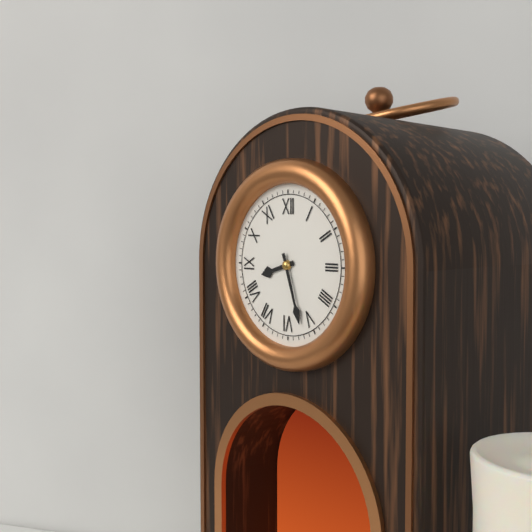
8:27
